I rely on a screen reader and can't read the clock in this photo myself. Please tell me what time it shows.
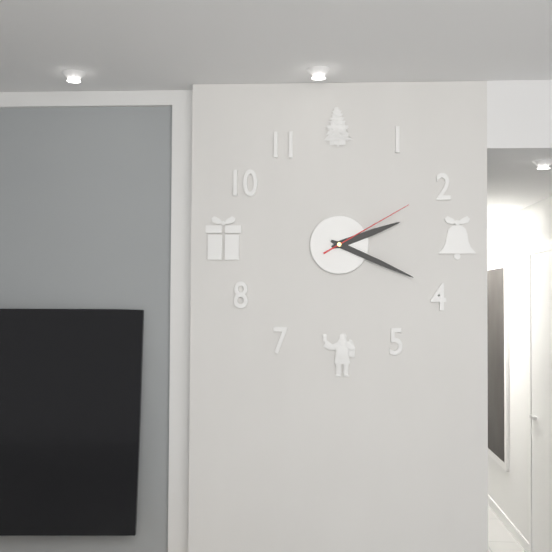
2:19:10
